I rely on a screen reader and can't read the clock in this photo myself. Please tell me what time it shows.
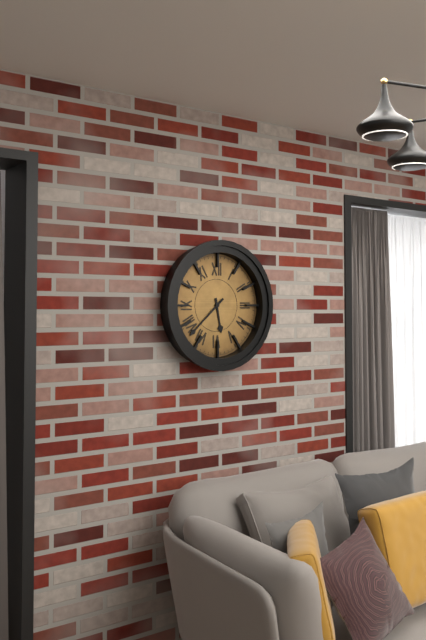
5:38
